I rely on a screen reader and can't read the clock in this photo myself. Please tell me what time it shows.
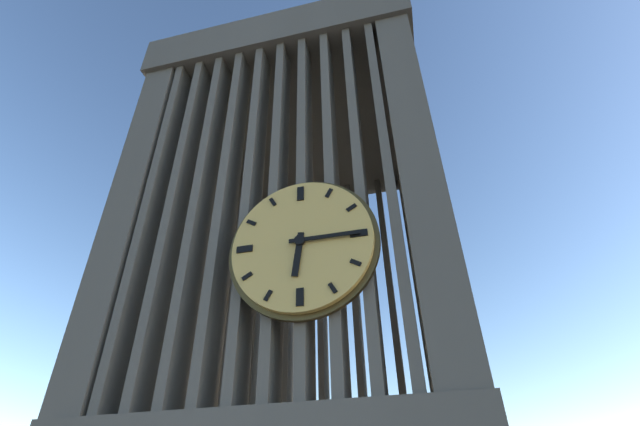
6:15
